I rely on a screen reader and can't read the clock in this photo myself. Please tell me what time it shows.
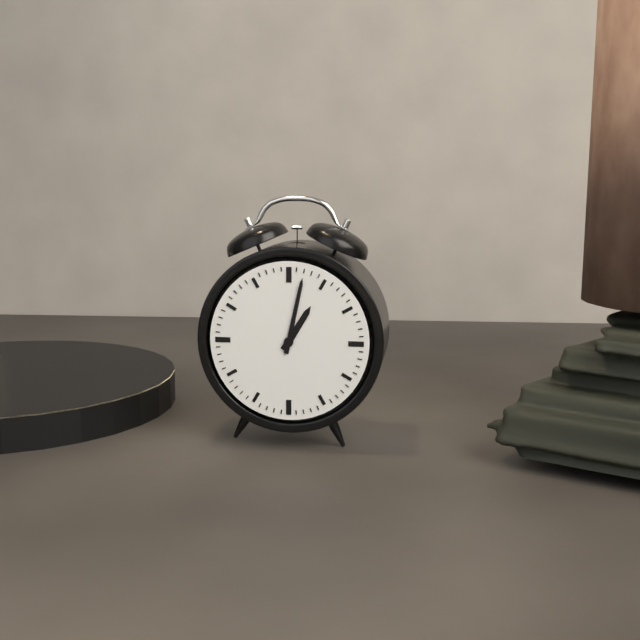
1:02
